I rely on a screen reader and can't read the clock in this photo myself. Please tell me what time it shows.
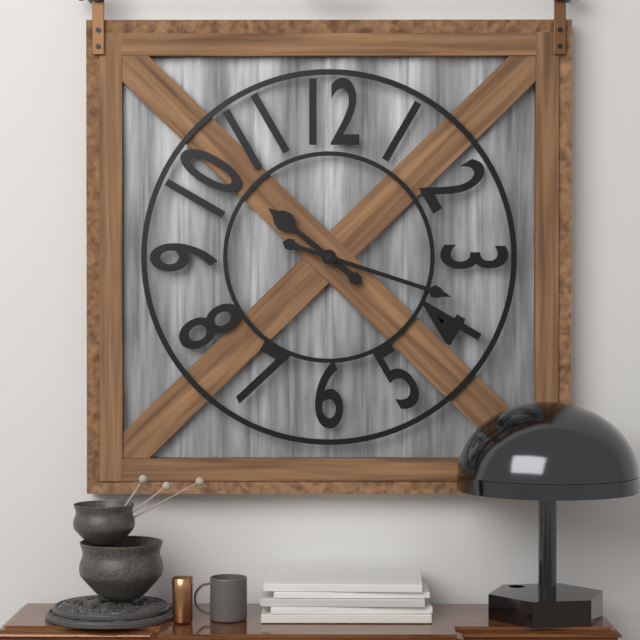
10:18
